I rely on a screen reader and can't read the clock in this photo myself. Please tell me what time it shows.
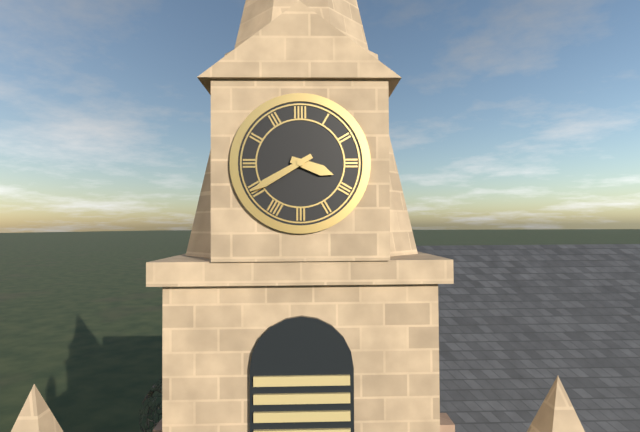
3:40
